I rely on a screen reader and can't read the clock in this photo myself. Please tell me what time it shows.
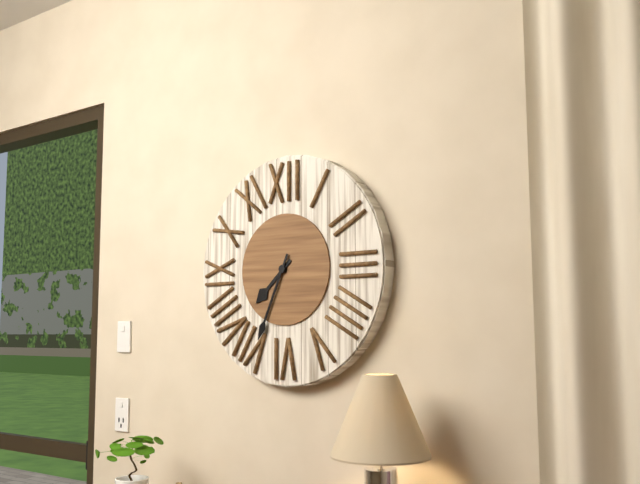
7:34
